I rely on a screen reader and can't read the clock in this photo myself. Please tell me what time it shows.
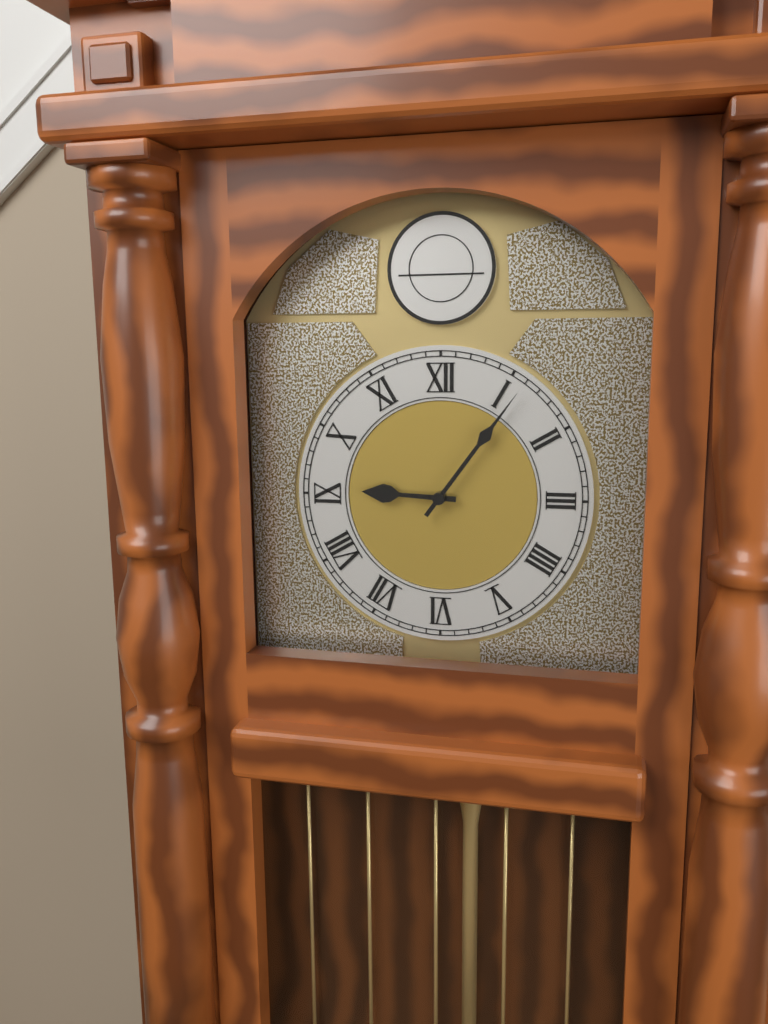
9:06
